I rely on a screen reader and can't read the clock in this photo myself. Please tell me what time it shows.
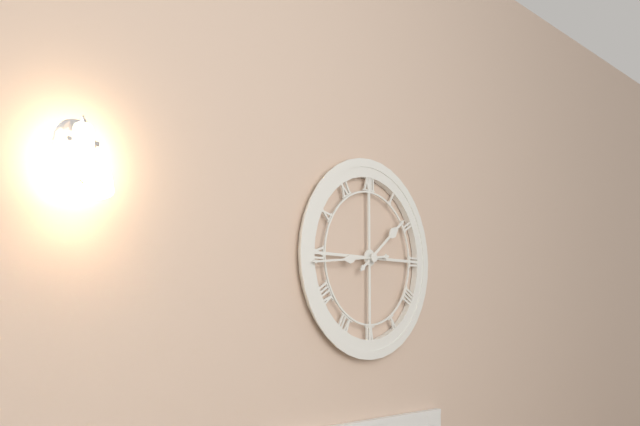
1:44
